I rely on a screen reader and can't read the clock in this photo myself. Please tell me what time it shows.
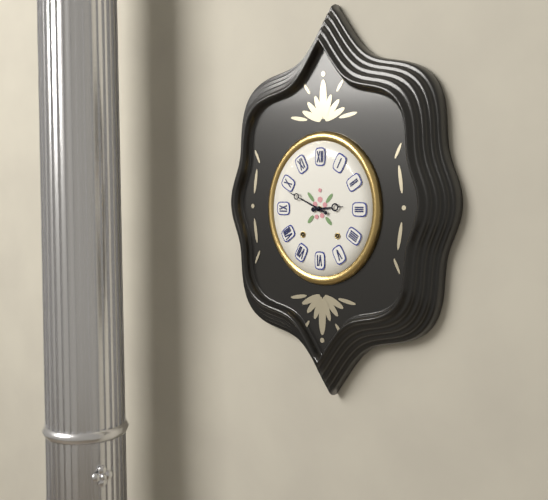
2:49
